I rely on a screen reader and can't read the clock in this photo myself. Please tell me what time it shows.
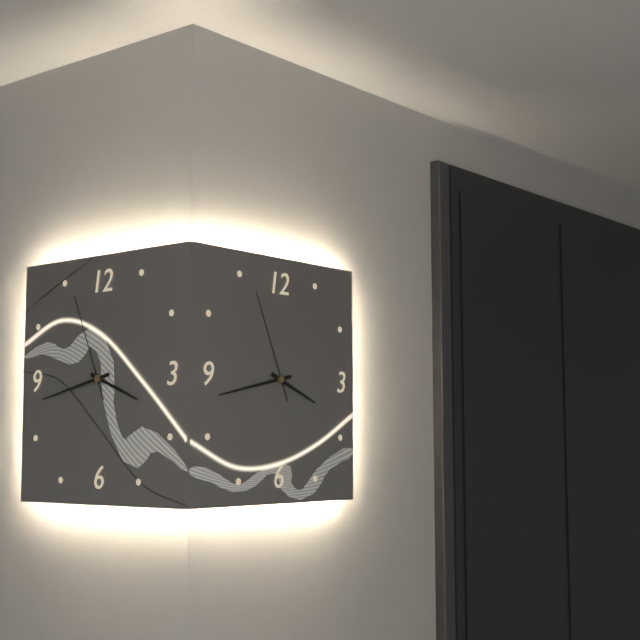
3:43:56
